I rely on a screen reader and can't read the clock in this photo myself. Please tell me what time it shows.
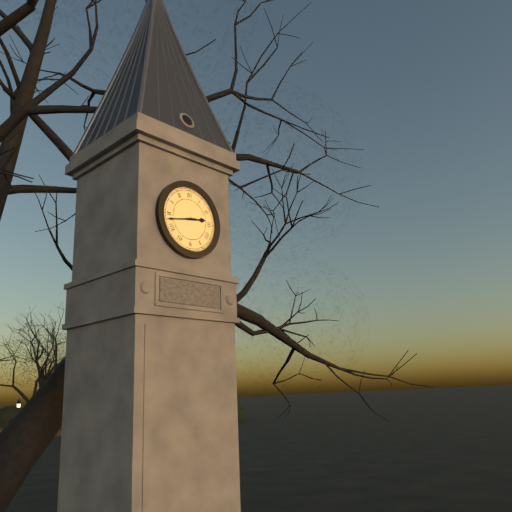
2:43
